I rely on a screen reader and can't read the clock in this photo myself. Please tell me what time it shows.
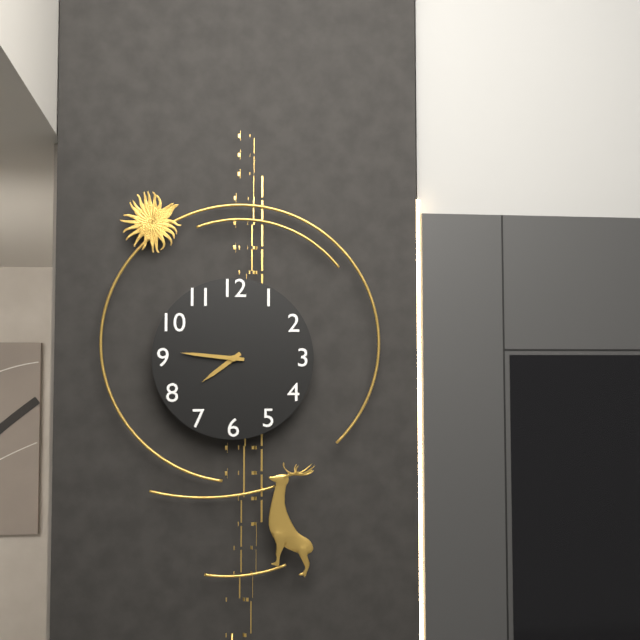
7:46
